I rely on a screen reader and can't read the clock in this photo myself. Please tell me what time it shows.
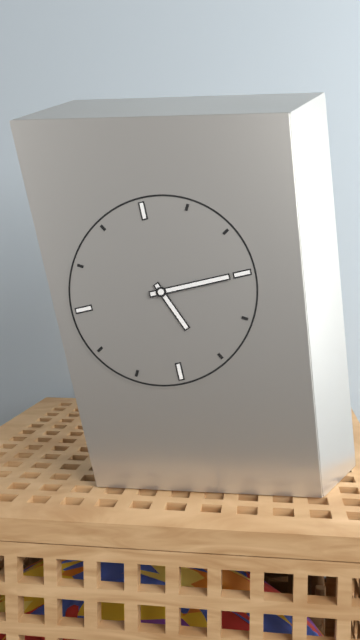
5:15
